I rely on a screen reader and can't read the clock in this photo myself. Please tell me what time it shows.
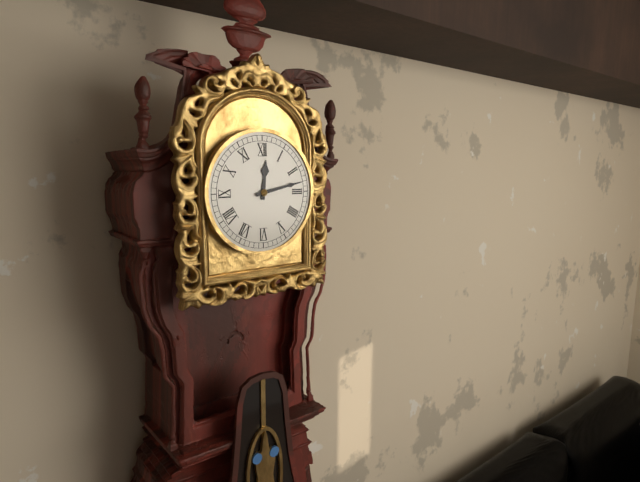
12:13
